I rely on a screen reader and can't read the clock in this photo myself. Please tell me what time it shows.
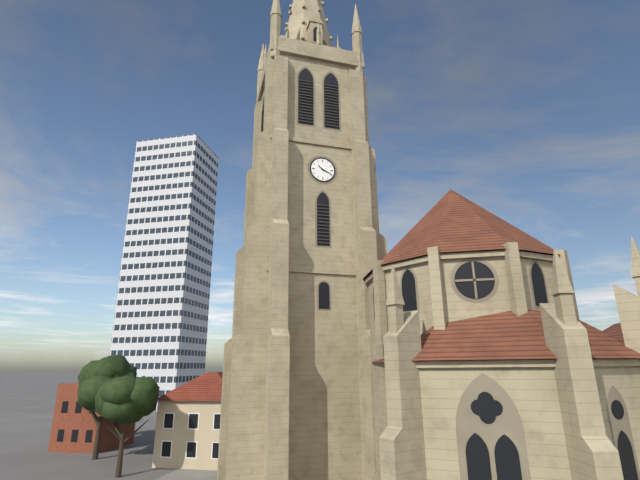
10:19
